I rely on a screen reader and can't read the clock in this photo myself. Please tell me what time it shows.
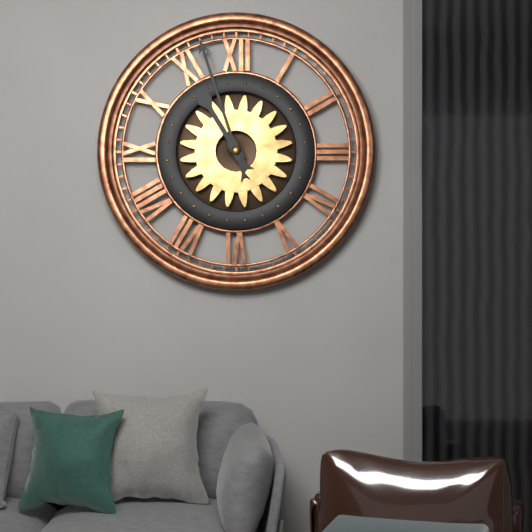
10:57
